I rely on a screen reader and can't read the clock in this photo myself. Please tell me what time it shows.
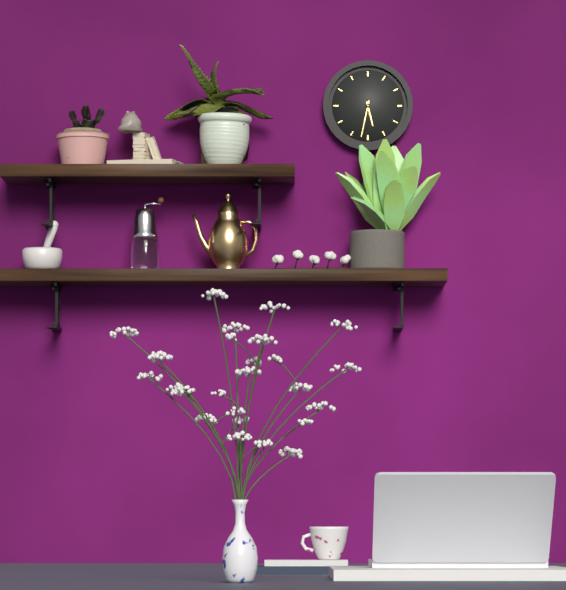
5:32
